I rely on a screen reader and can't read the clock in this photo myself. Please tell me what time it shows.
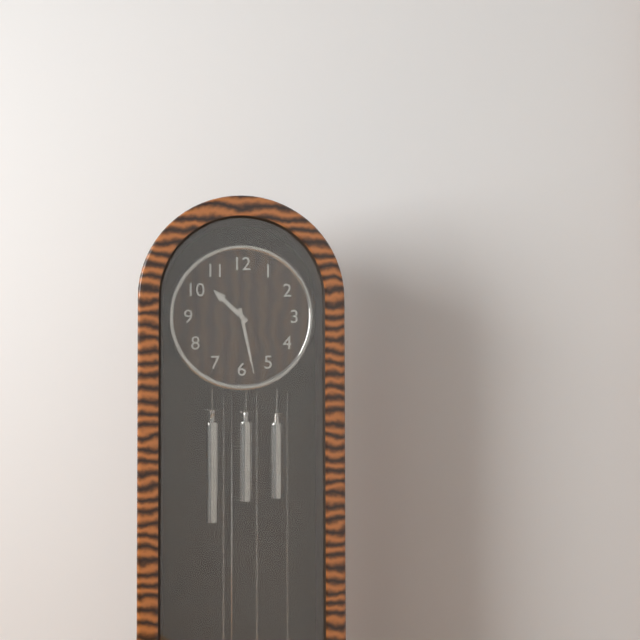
10:28
